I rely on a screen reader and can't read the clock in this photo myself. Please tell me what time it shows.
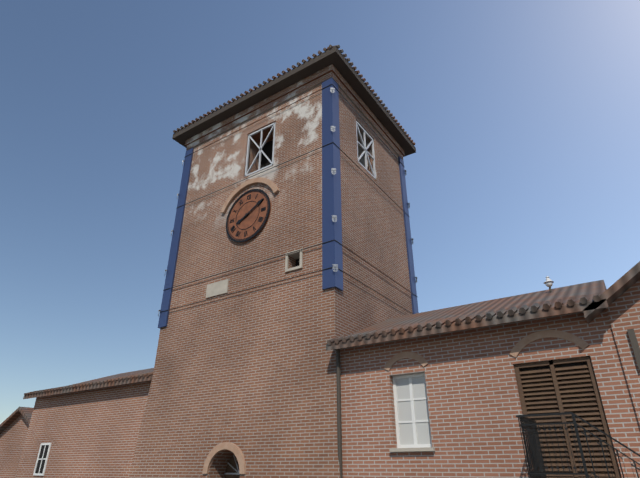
8:10
